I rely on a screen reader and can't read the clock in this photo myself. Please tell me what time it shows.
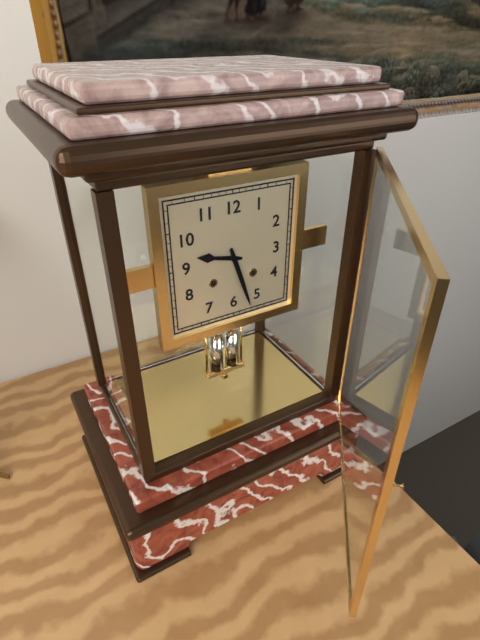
9:27
